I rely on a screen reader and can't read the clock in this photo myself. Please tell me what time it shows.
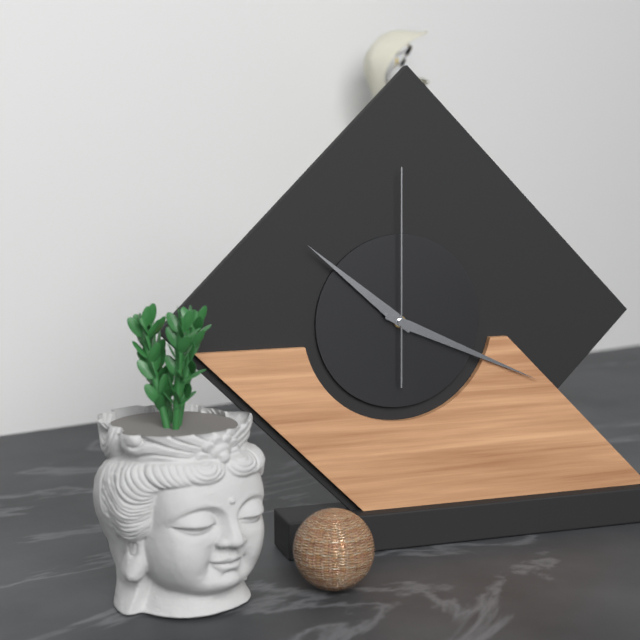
10:19:00
